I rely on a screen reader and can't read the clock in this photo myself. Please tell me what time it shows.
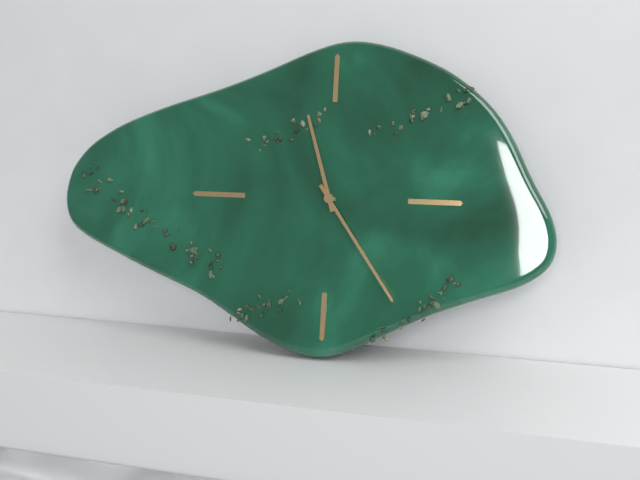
11:24
